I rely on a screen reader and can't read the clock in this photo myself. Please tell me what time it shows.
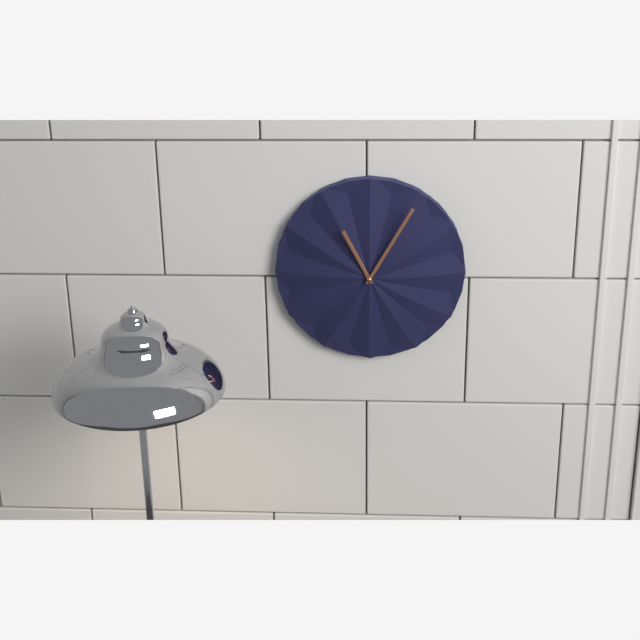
11:05
